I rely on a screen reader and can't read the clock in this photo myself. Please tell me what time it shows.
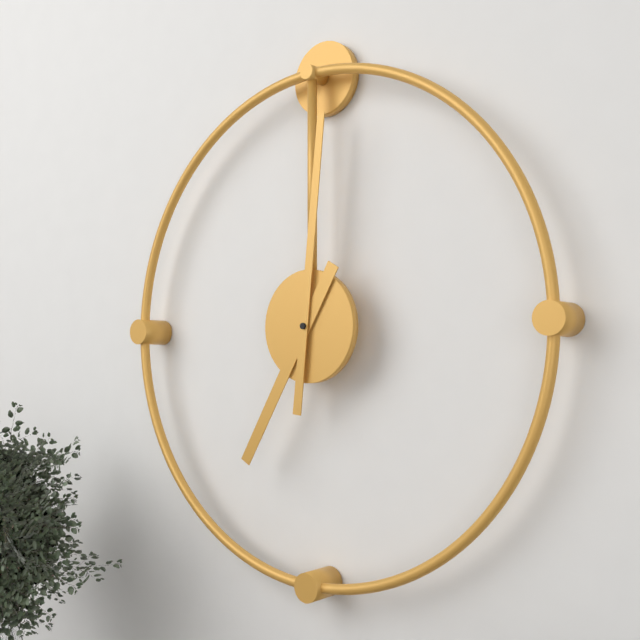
7:01
